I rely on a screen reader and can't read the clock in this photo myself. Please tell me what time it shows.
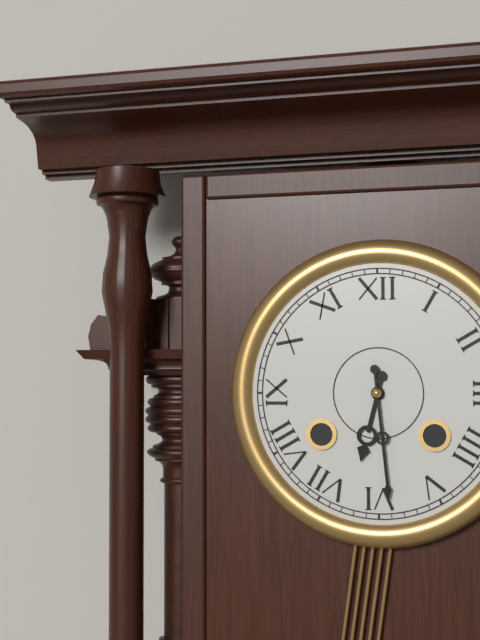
6:29
